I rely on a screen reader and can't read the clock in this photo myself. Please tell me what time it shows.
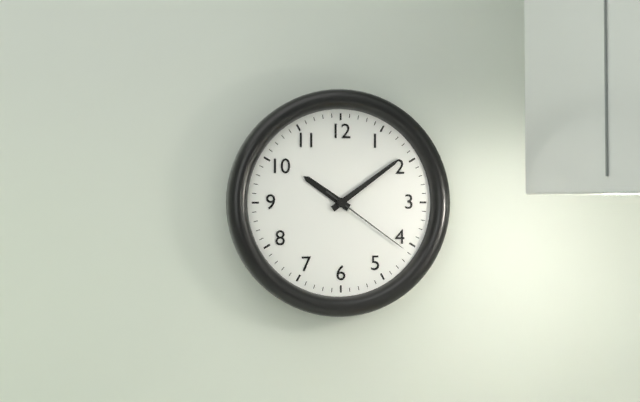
10:09:21
